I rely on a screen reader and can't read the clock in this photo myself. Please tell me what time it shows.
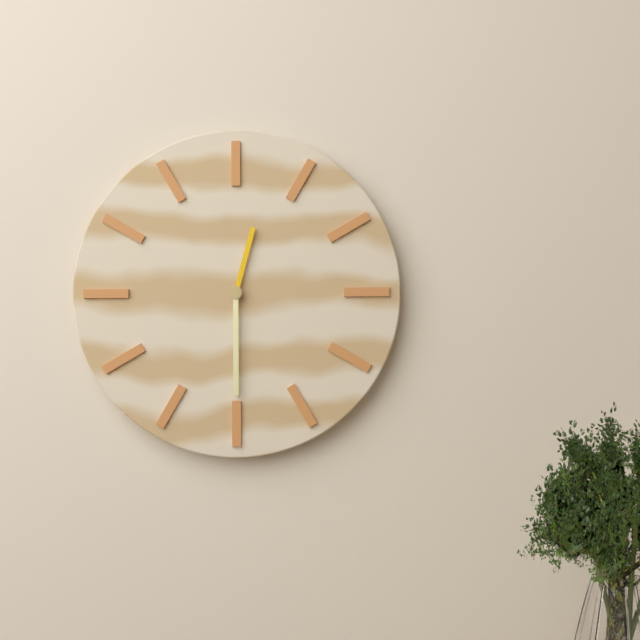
12:30
